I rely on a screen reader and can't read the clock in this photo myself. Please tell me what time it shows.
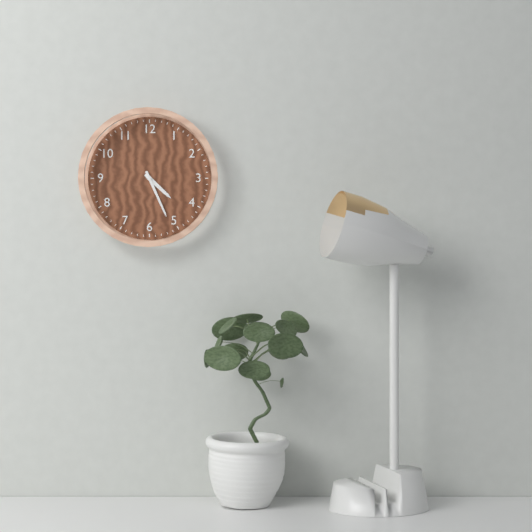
4:26
